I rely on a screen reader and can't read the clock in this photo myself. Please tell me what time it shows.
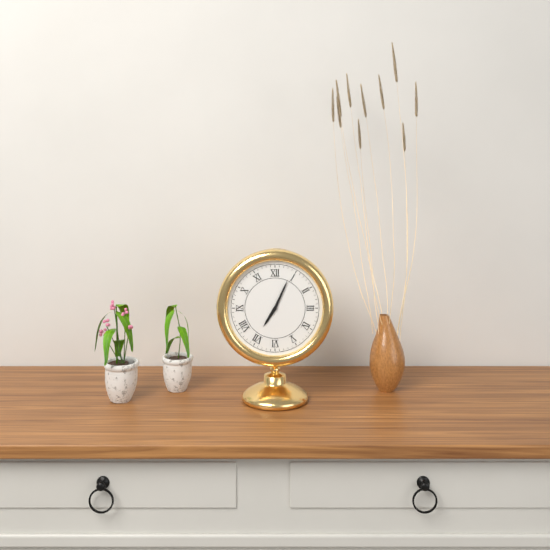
7:04
